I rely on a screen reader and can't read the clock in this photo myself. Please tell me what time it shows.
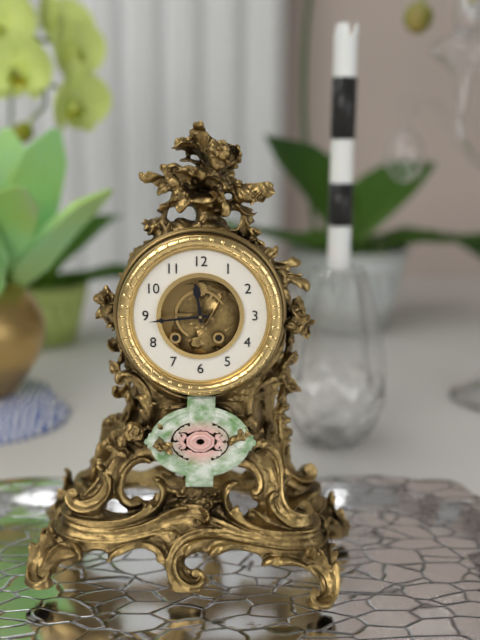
11:44
